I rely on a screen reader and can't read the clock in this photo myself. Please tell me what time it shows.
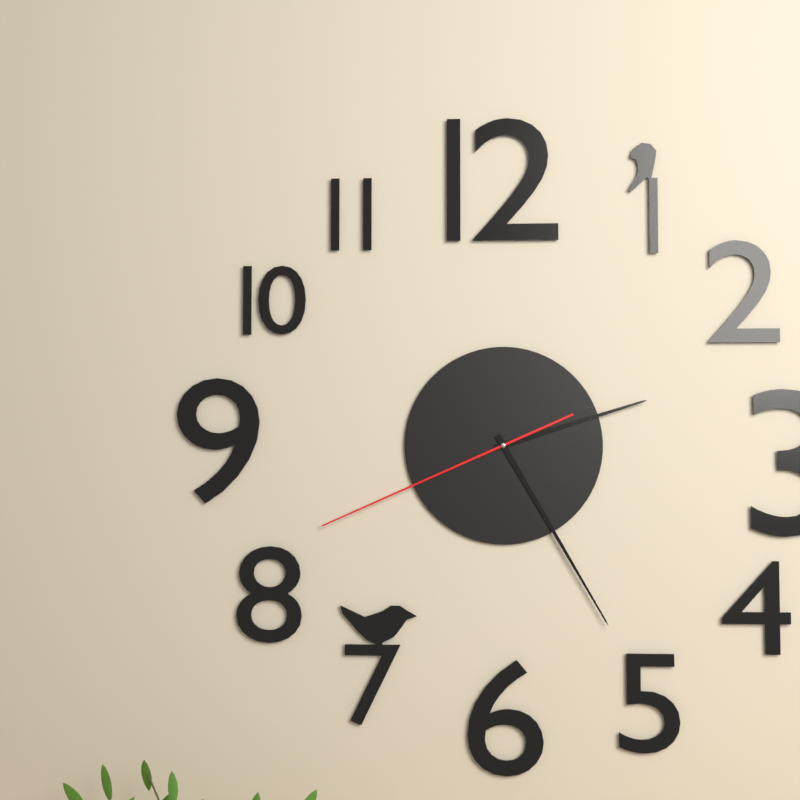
2:25:41
